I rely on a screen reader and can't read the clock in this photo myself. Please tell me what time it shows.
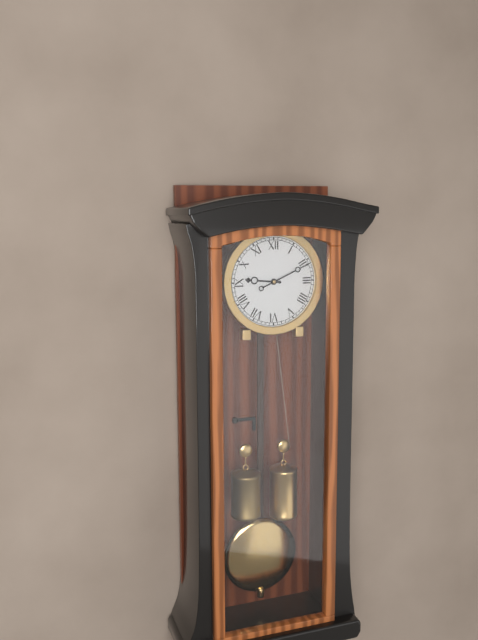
9:11
